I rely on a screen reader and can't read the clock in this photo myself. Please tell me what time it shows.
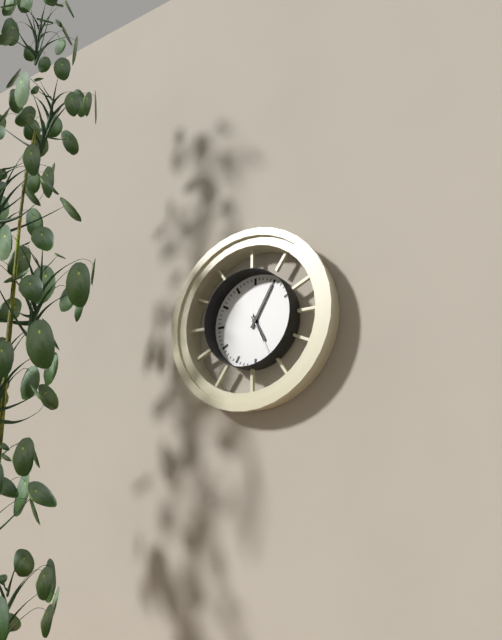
5:05
